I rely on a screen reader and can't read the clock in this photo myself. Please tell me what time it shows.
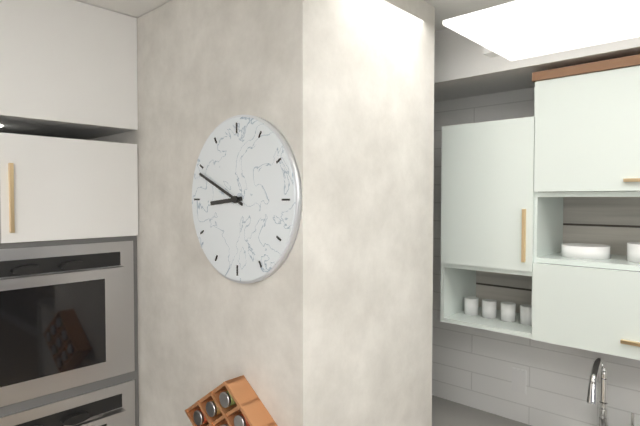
8:49
